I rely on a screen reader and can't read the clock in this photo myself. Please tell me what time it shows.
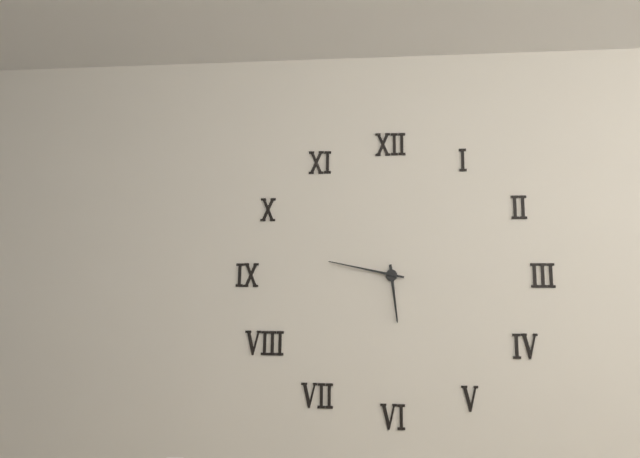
5:47
